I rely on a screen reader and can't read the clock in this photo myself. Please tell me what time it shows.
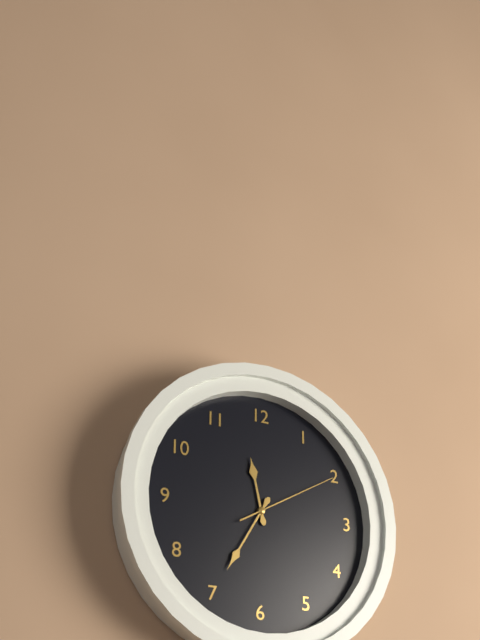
11:35:10
